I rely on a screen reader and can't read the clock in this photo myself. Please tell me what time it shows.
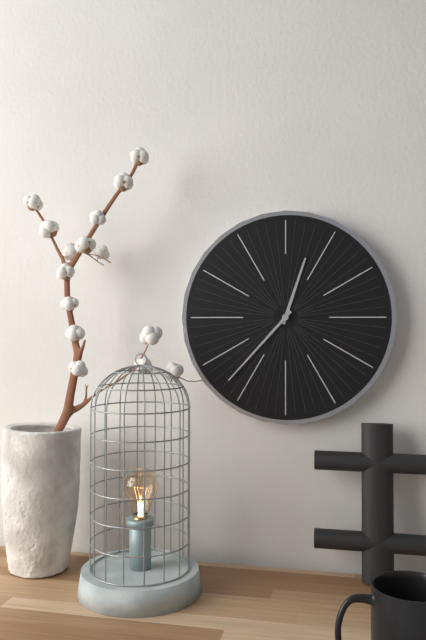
12:37
